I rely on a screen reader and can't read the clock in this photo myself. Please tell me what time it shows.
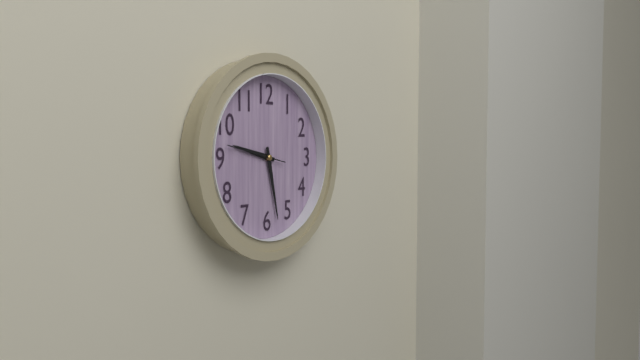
9:28:47
